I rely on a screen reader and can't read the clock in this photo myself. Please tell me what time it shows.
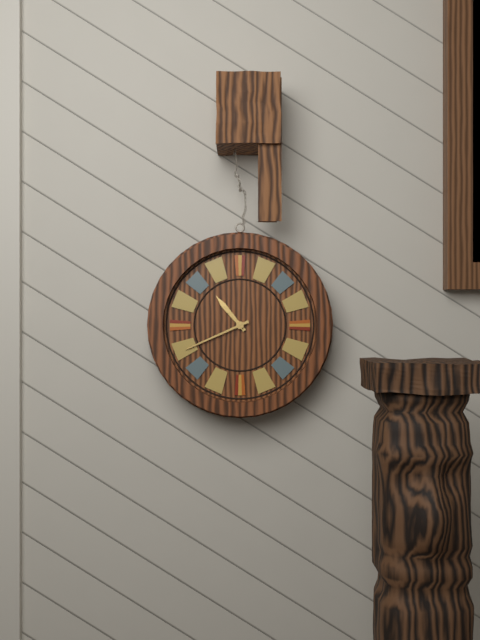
10:41
